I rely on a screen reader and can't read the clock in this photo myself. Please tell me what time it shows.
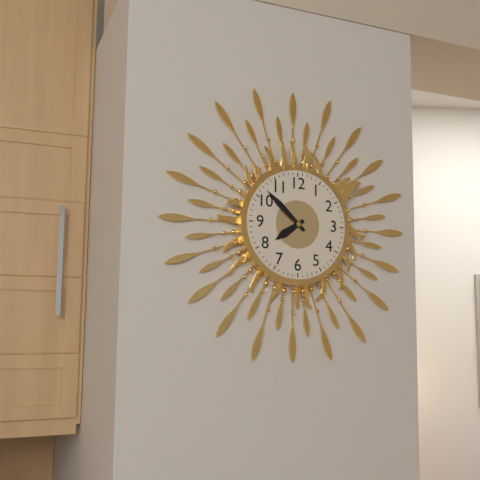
7:52
